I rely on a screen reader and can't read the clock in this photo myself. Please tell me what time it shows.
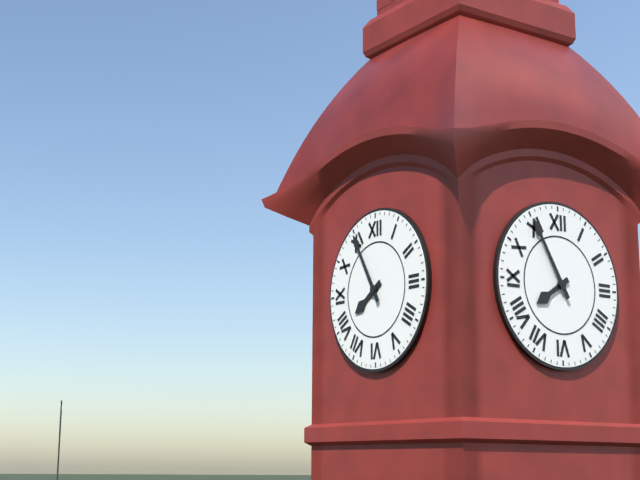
7:55
